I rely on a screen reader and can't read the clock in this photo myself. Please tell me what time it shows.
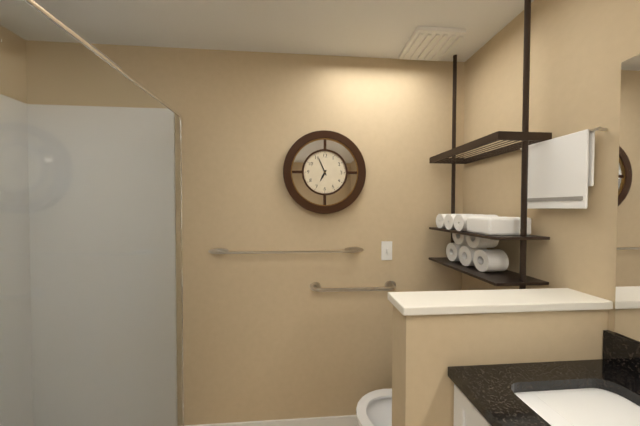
6:56
